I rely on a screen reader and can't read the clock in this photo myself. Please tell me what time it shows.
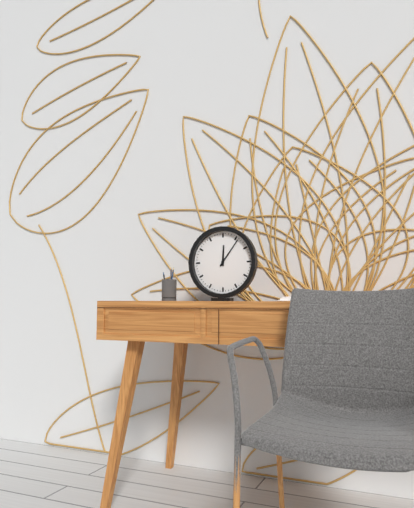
12:06
